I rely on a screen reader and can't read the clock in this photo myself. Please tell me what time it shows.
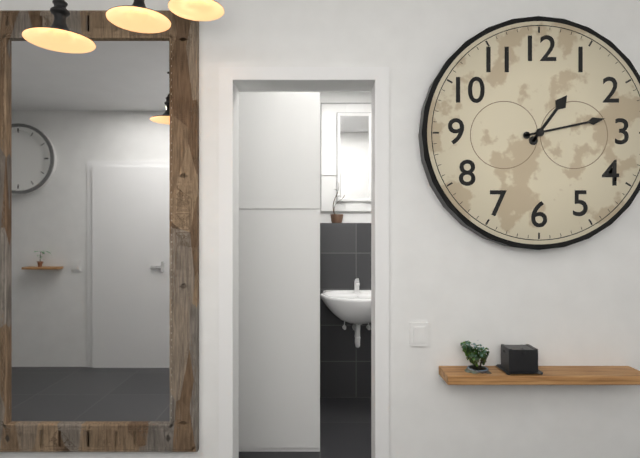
1:13
